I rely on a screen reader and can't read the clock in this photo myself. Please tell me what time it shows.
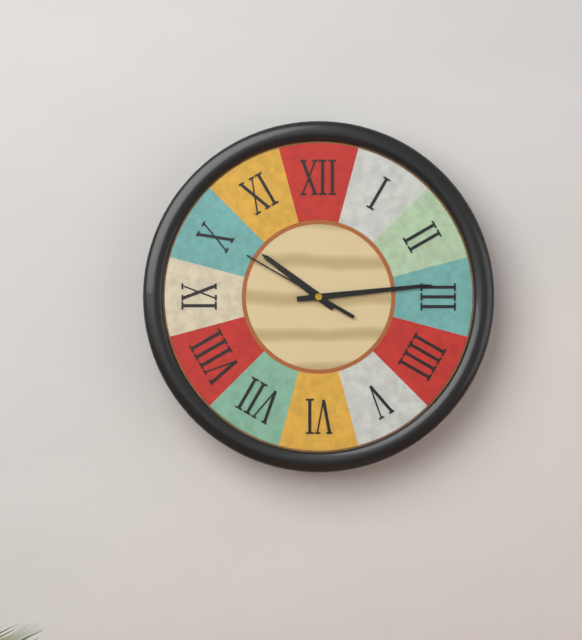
10:14:50
